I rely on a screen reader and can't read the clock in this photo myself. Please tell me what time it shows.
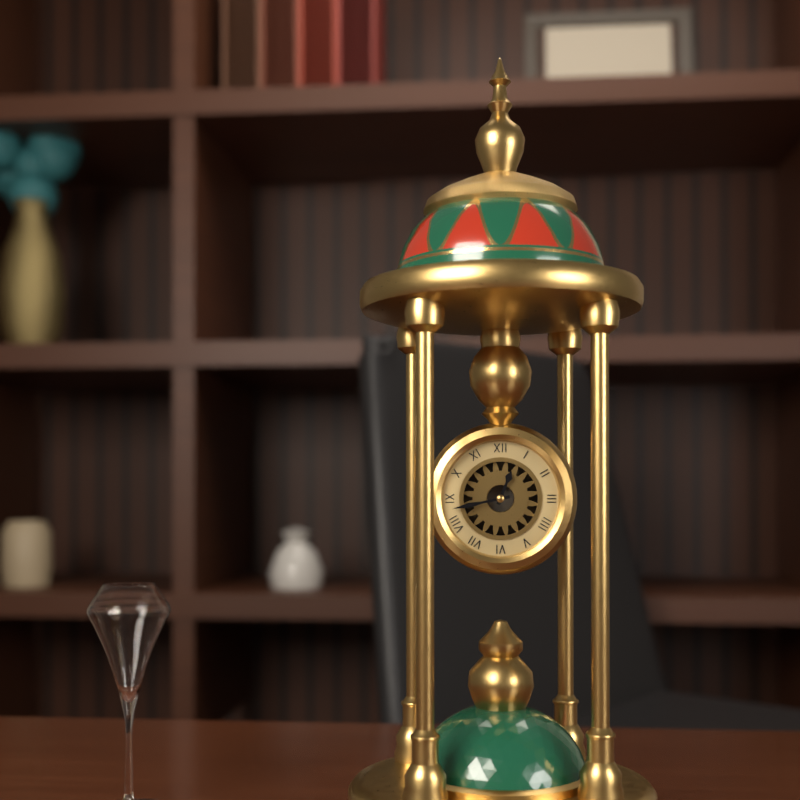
12:43
